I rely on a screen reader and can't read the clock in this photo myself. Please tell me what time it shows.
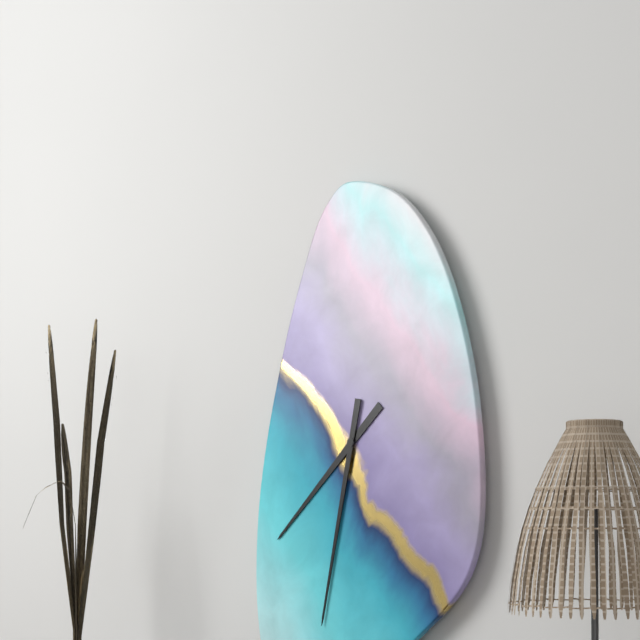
7:32
